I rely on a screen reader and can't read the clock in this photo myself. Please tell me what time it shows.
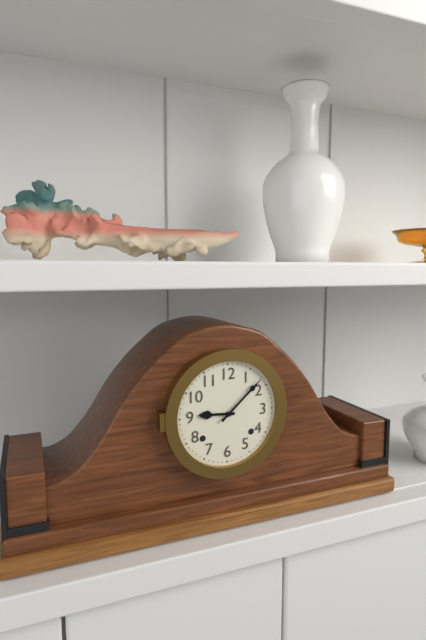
9:08
